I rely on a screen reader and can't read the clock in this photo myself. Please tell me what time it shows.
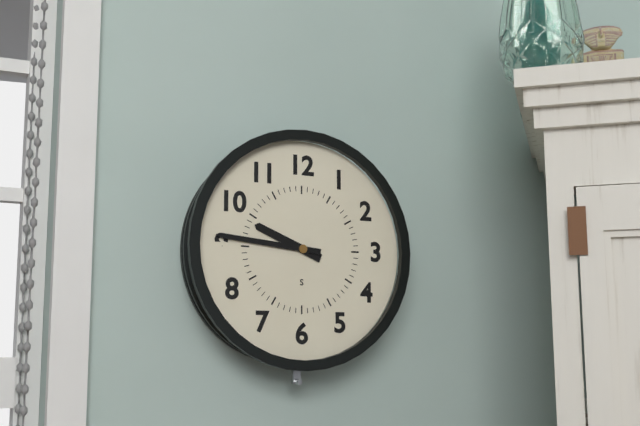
9:46
